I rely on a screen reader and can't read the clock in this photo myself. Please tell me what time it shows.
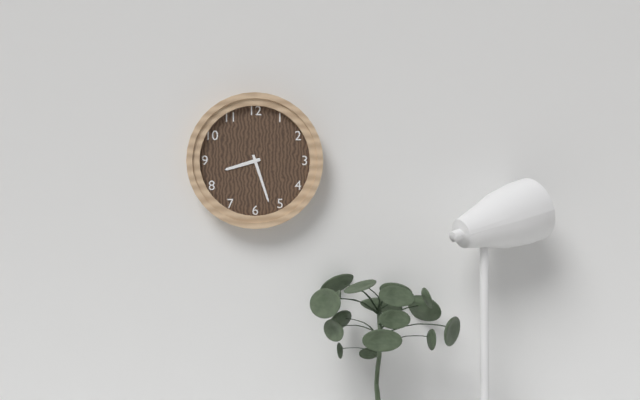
8:27
